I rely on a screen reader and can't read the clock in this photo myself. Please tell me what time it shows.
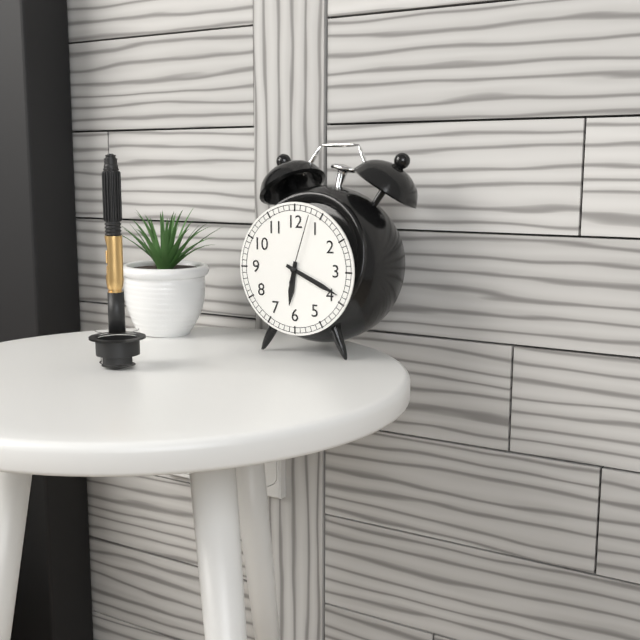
6:19:03
